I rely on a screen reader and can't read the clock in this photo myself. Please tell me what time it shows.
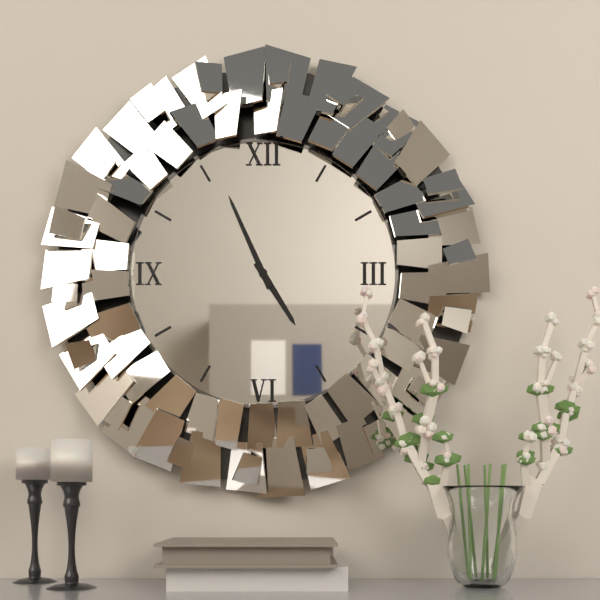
4:56
